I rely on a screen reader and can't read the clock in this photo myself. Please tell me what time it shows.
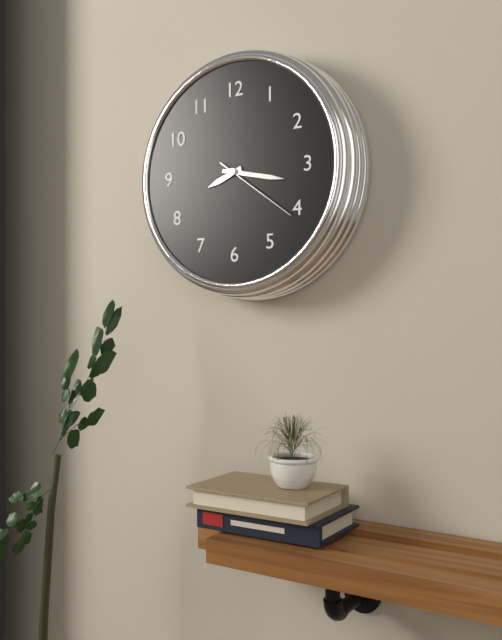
8:17:21
